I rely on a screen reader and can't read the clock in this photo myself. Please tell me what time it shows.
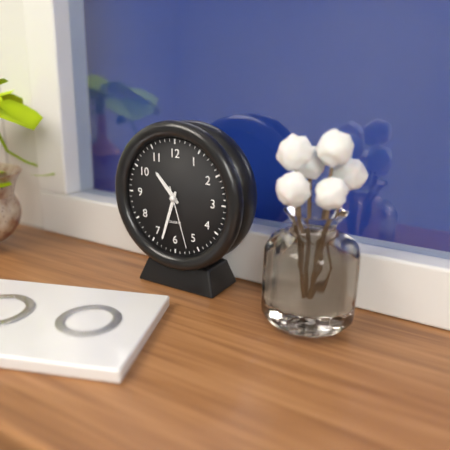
10:33:27
